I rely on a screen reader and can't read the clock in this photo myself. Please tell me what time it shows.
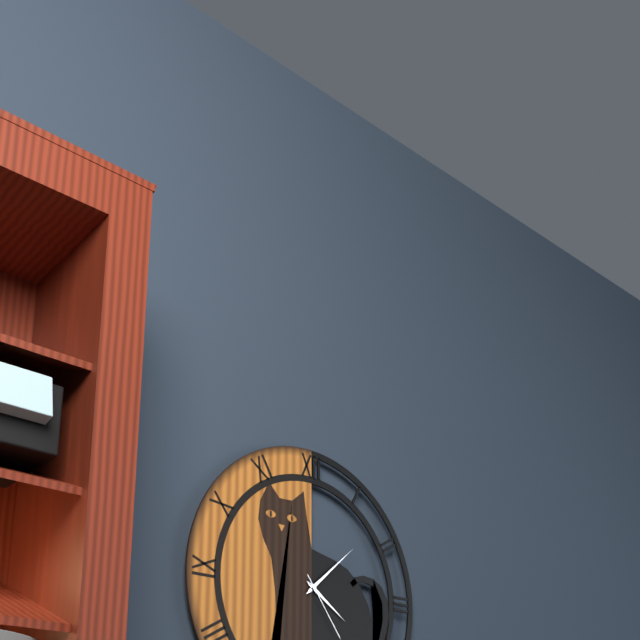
4:08:24
